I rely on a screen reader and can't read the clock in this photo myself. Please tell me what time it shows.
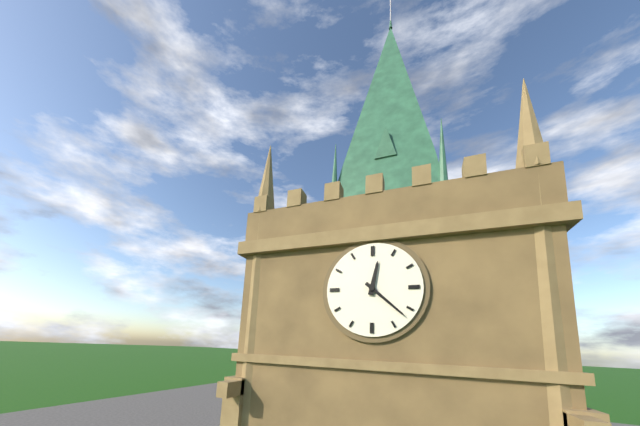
12:22
